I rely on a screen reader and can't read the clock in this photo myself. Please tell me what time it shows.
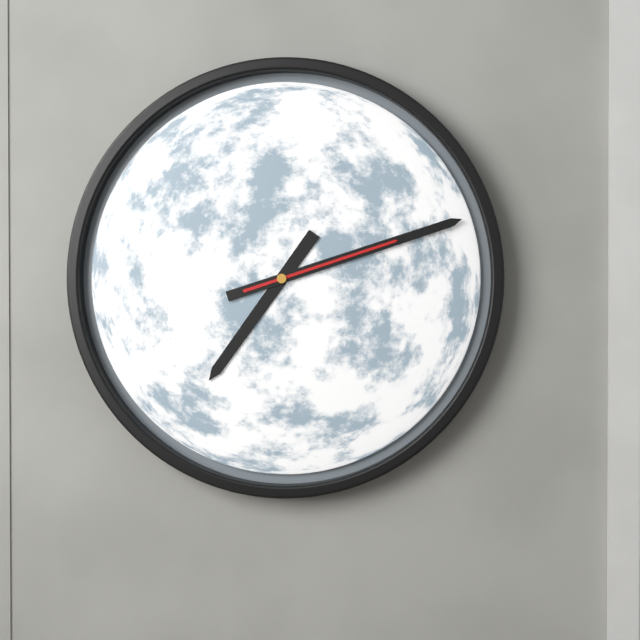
7:12:12
